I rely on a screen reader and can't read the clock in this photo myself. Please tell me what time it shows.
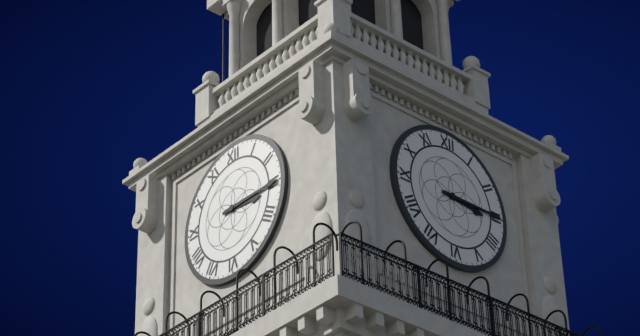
3:15
